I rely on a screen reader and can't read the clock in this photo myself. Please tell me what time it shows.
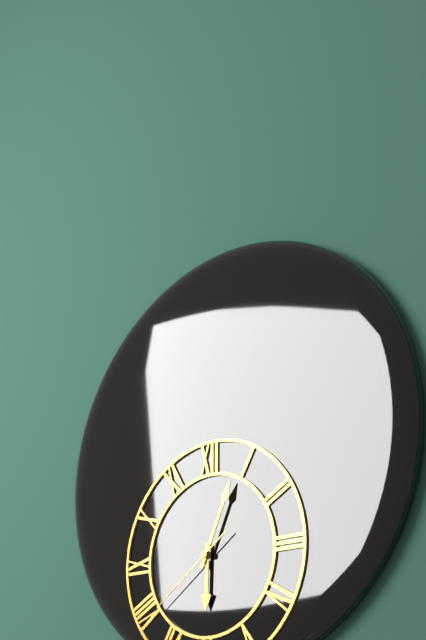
6:04:39
